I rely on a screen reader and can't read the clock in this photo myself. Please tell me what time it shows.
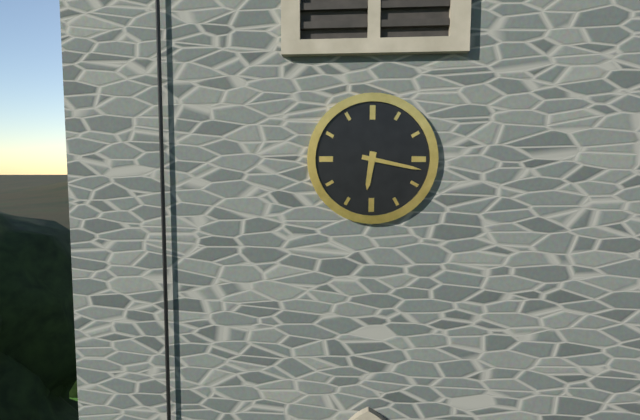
6:17
